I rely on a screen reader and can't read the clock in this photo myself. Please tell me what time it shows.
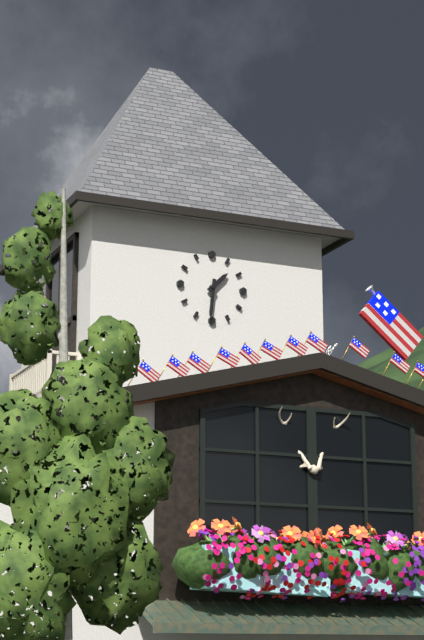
1:31
